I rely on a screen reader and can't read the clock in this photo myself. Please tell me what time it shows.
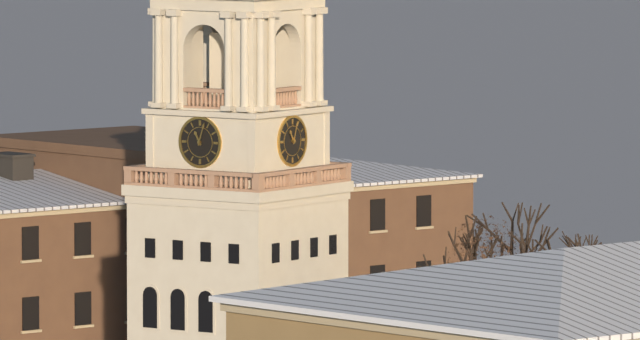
11:03
